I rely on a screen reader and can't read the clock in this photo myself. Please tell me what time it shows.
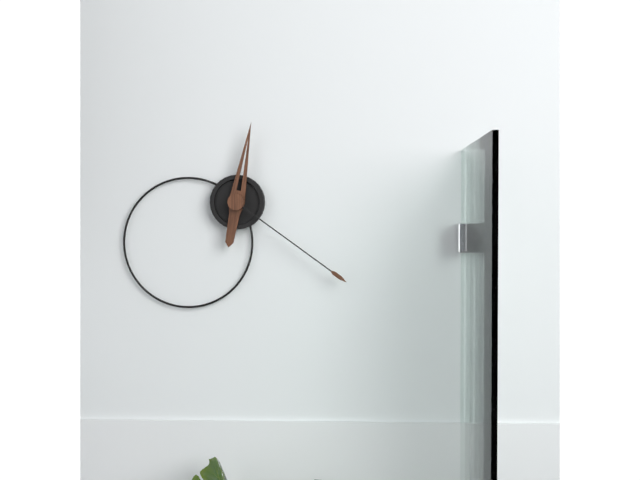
12:21
